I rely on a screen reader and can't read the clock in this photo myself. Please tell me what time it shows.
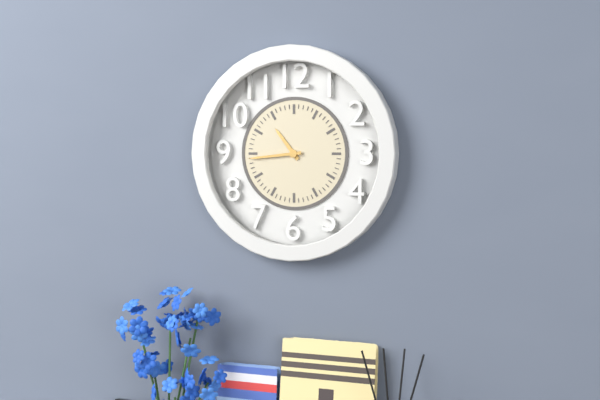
10:44
